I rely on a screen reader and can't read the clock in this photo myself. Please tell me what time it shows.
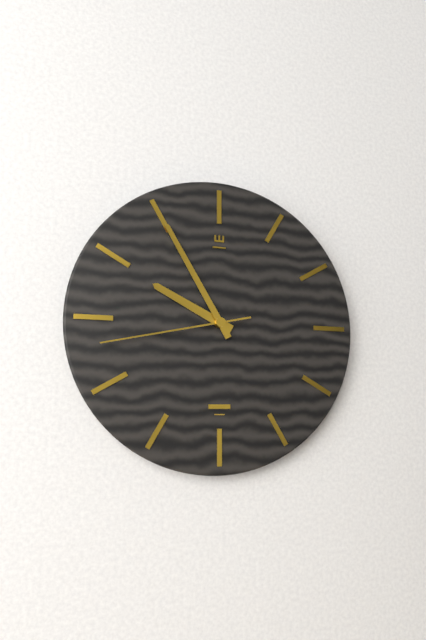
9:55:43
